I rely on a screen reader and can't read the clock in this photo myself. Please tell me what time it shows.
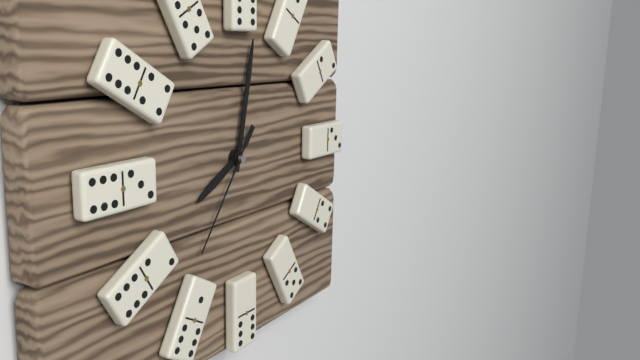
8:02:36
